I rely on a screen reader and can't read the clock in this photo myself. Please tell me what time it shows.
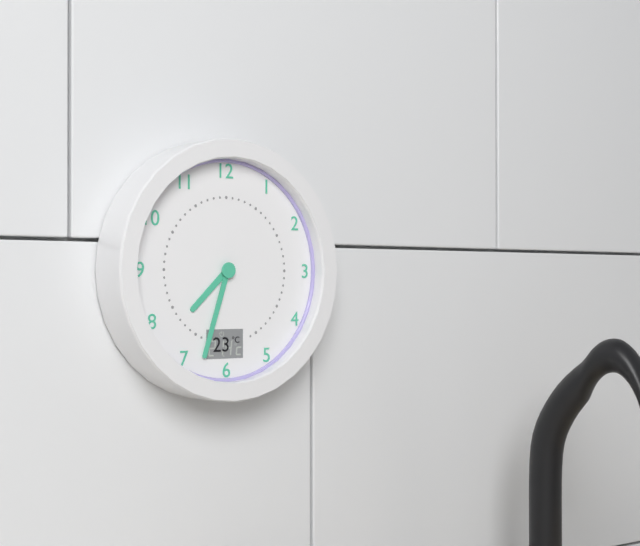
7:33
